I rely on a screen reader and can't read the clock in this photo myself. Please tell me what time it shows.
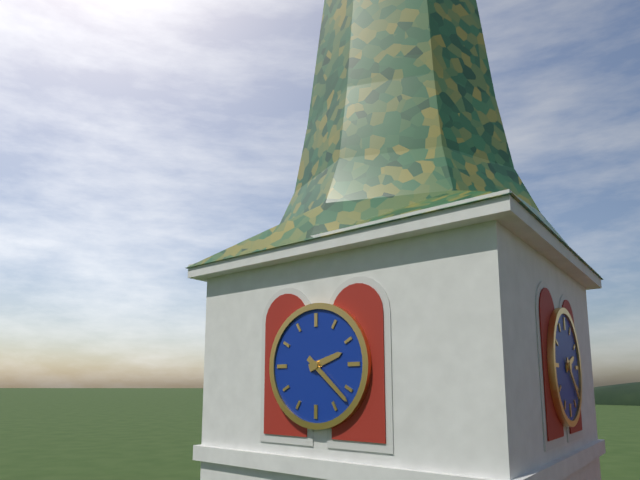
2:22
